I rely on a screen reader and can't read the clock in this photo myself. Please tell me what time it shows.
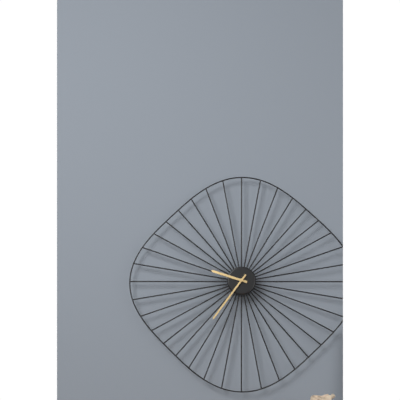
9:36
